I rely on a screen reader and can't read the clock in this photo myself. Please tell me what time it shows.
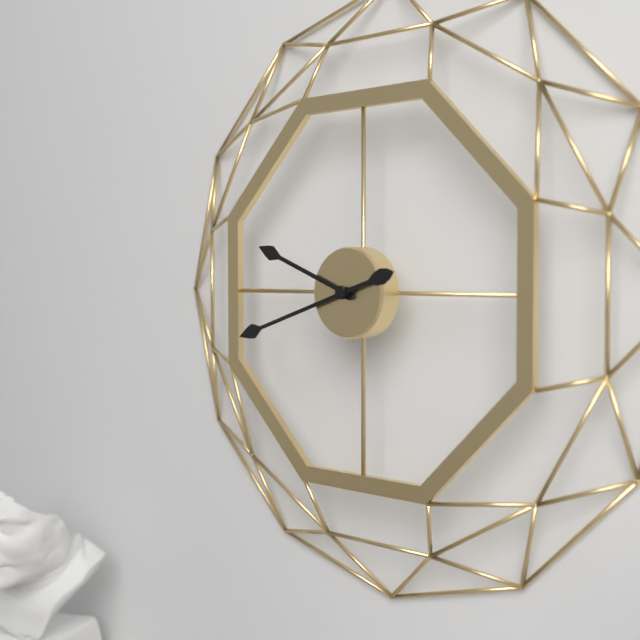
9:42
